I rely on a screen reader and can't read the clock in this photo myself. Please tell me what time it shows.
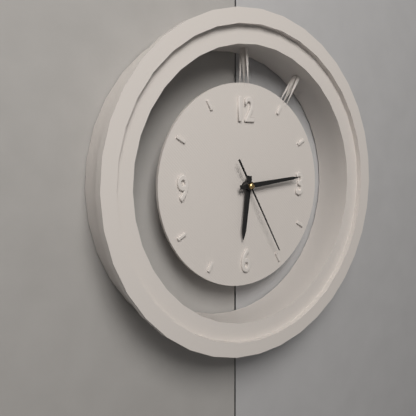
6:14:25
